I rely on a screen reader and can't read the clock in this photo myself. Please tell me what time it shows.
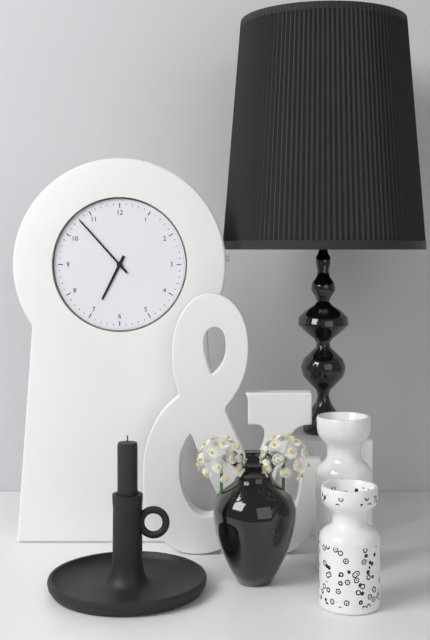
6:53
